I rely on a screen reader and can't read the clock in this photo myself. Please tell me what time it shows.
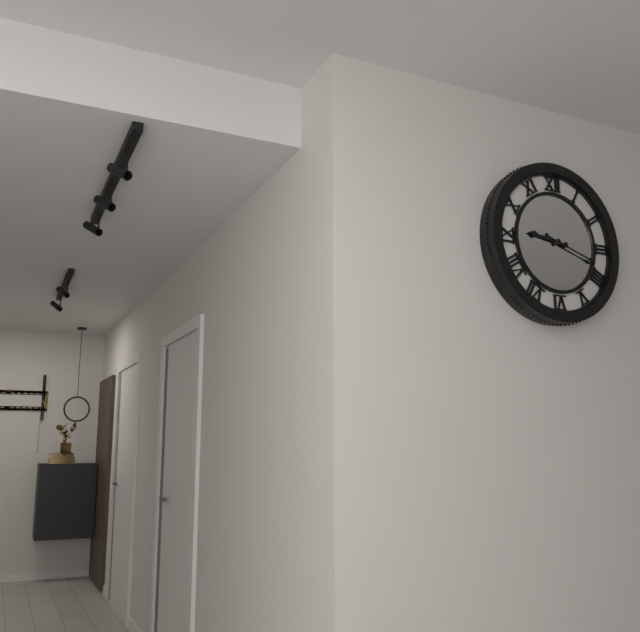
9:18
